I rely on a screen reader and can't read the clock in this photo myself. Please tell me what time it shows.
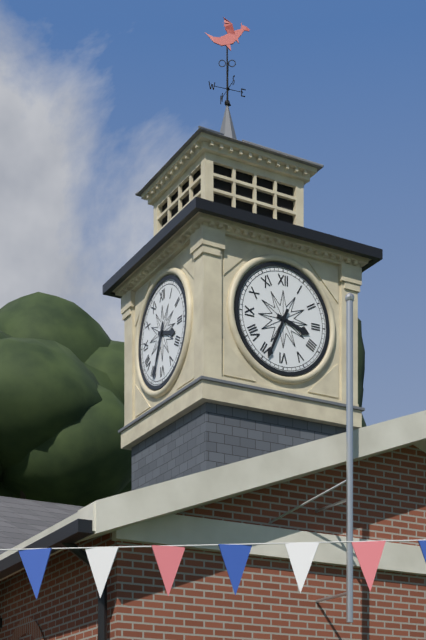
3:34
